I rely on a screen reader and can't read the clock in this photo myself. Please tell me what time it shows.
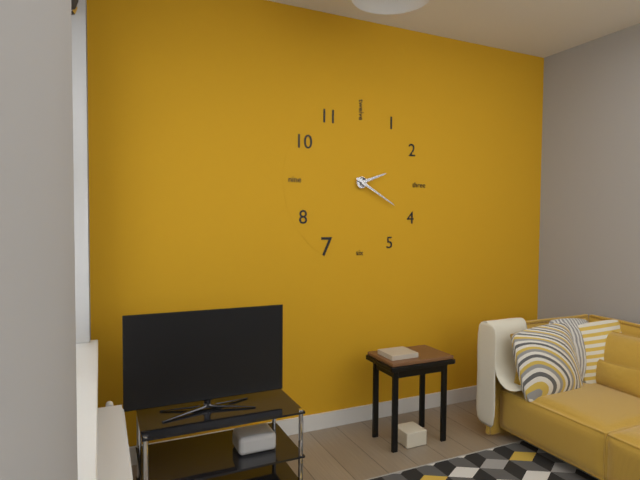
2:20
